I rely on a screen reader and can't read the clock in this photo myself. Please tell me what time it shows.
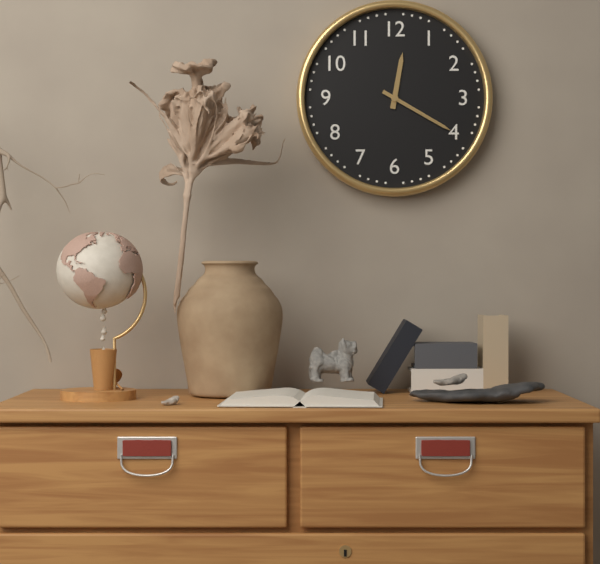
12:20
